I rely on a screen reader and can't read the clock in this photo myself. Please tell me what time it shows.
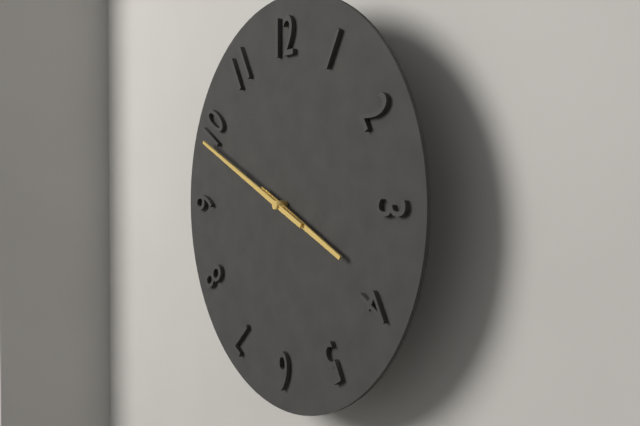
3:49
